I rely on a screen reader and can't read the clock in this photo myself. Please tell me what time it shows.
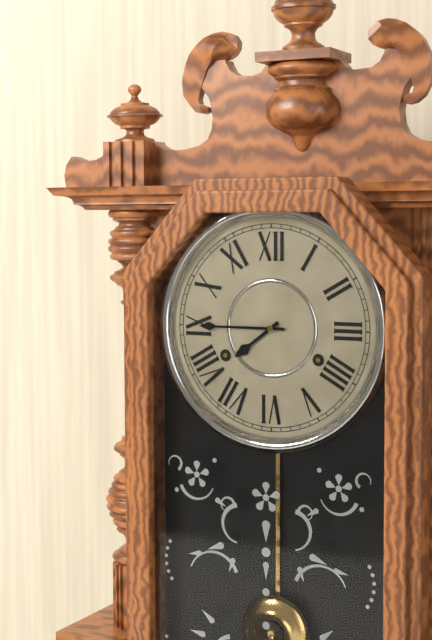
7:45
